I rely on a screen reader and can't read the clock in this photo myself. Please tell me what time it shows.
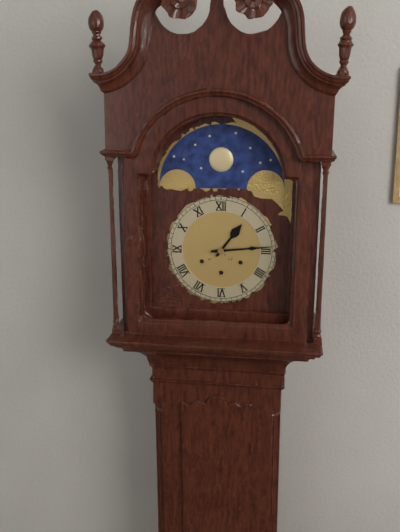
1:14
